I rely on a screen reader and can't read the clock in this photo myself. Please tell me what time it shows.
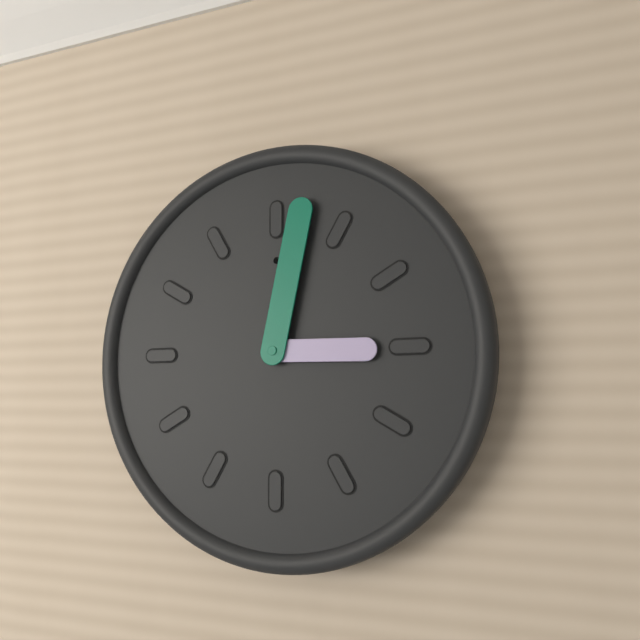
3:02
